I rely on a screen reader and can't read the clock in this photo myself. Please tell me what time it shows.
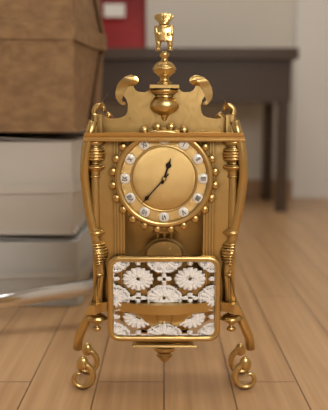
12:37
